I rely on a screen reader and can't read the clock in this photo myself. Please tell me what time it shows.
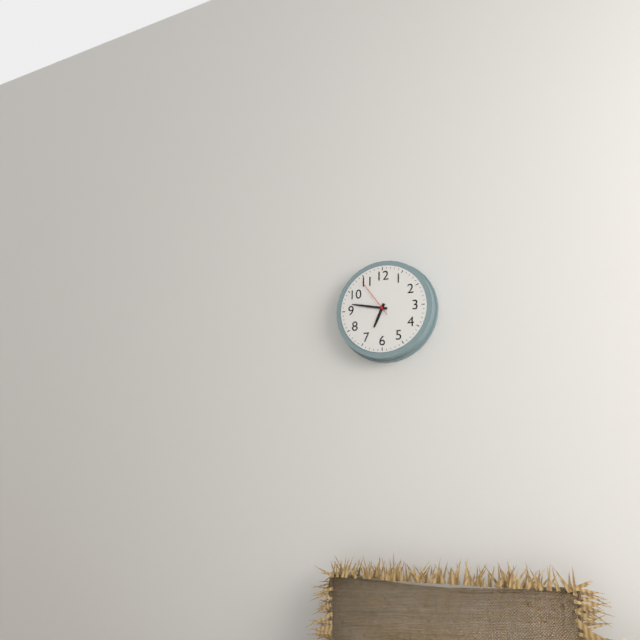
6:47
